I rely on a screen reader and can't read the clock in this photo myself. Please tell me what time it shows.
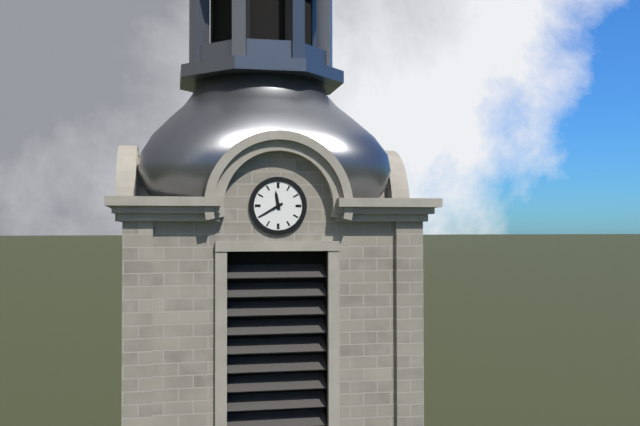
11:40
